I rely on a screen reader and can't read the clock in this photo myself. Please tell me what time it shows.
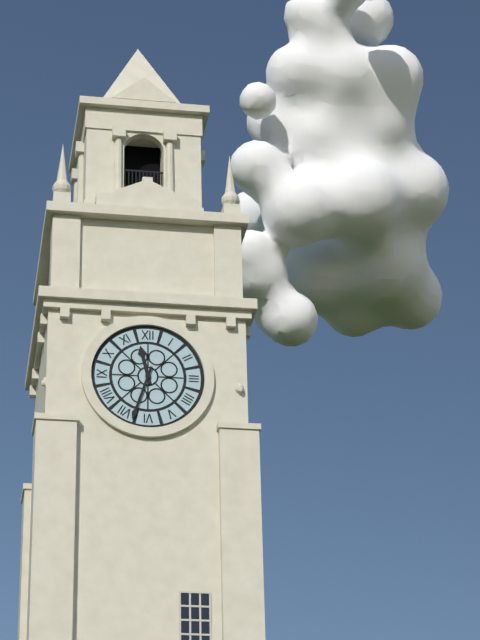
11:33
